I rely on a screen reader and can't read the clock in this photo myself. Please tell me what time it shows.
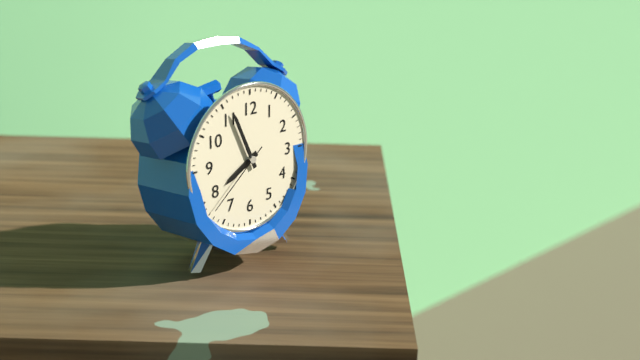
7:56:38
